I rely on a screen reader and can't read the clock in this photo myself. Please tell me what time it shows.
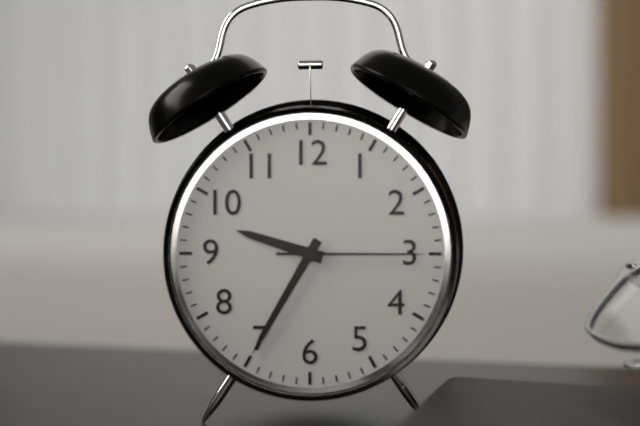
9:35:15
